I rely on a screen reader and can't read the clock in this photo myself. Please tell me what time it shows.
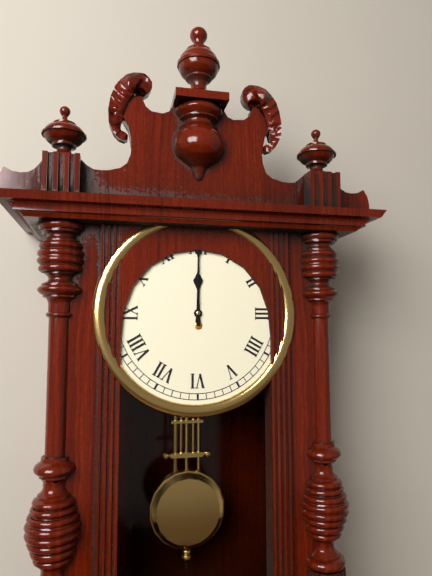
12:00
